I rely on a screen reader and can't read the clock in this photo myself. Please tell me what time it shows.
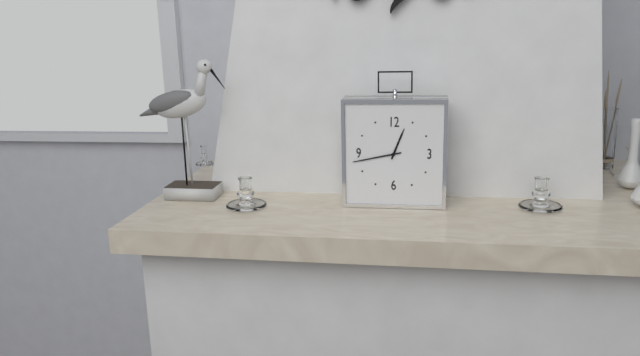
12:43
